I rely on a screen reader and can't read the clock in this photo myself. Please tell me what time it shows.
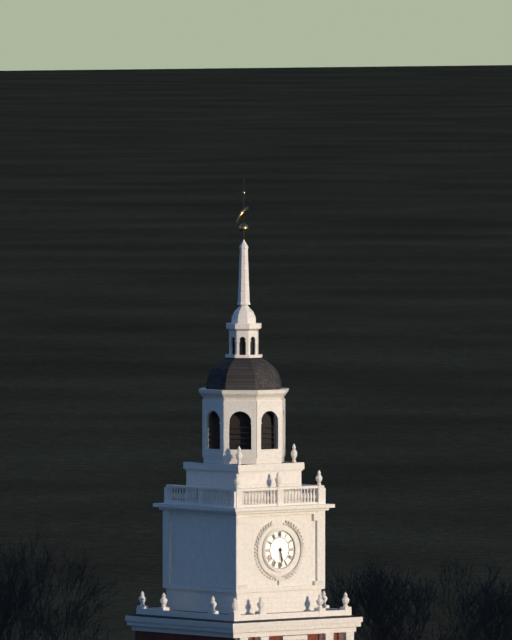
5:29
